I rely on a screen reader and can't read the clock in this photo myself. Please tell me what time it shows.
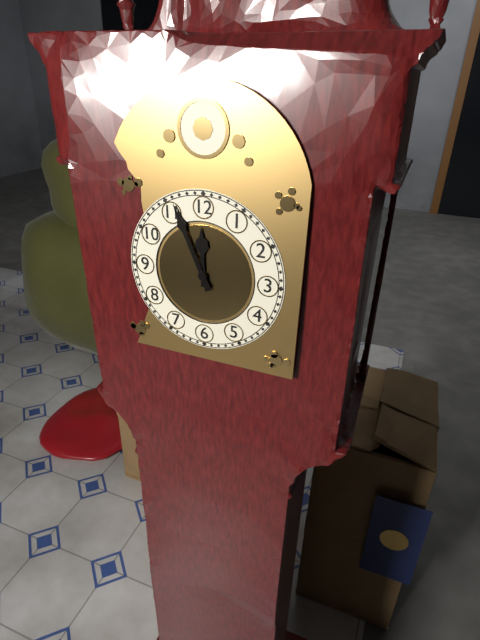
11:56
